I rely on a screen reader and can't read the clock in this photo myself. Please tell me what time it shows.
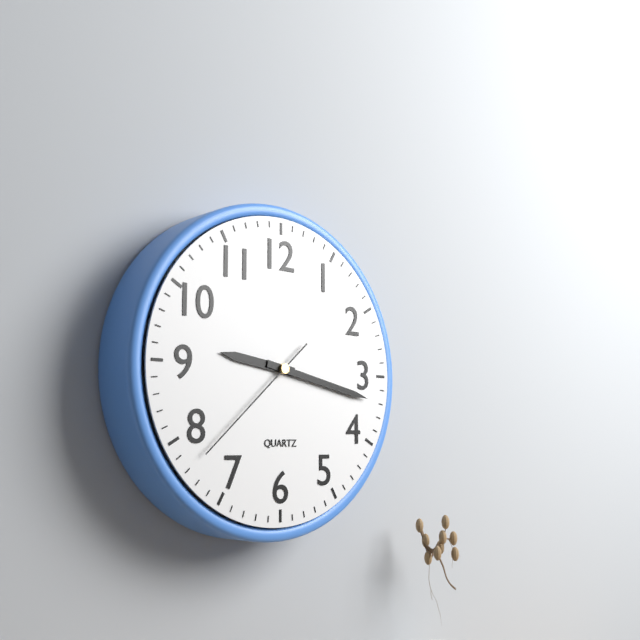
9:17:38
